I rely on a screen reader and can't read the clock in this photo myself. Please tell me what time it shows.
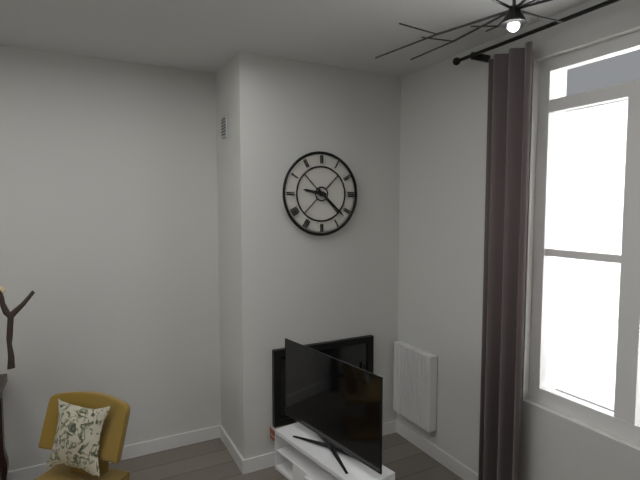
9:22
